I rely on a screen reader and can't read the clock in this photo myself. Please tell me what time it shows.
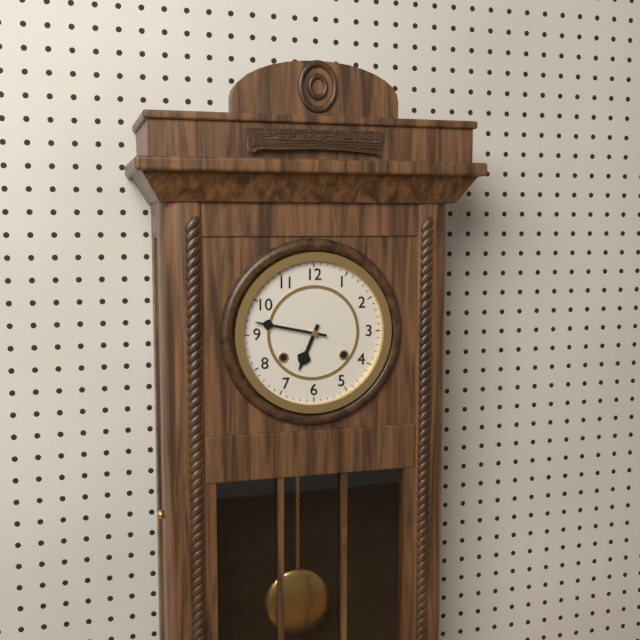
6:47
